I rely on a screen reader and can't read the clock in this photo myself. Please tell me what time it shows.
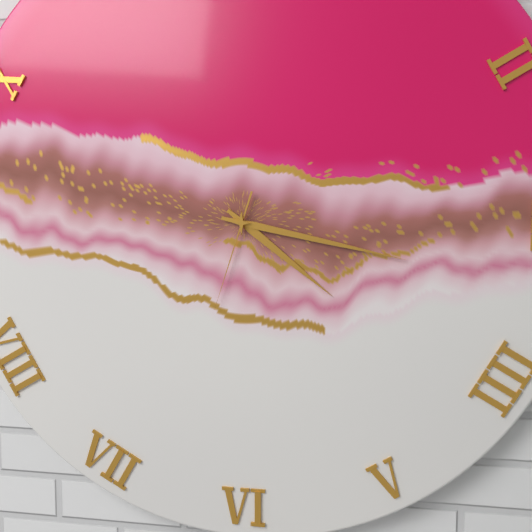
4:17:33
